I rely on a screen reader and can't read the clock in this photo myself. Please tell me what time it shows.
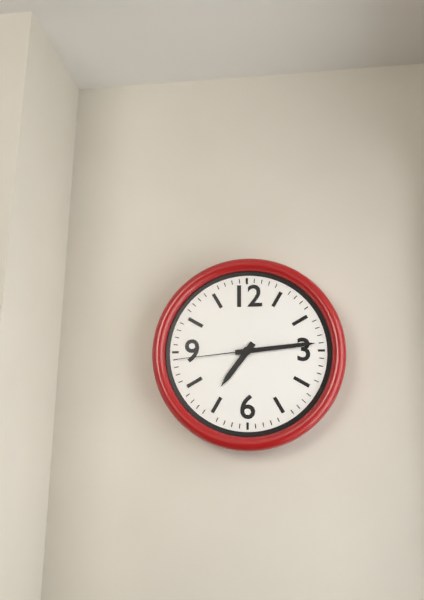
7:14:44
